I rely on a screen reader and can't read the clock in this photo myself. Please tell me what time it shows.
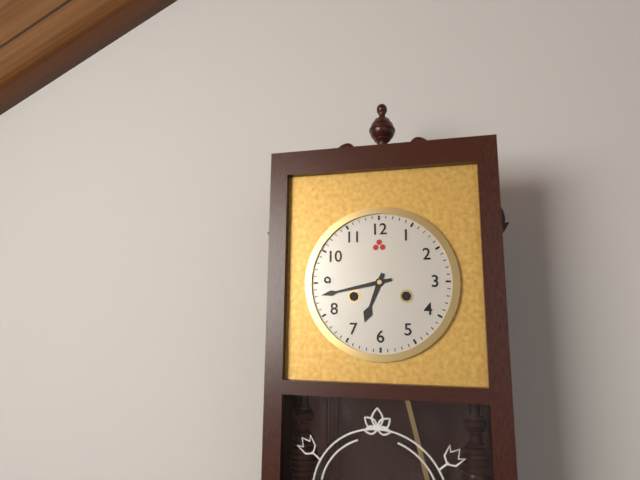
6:43
